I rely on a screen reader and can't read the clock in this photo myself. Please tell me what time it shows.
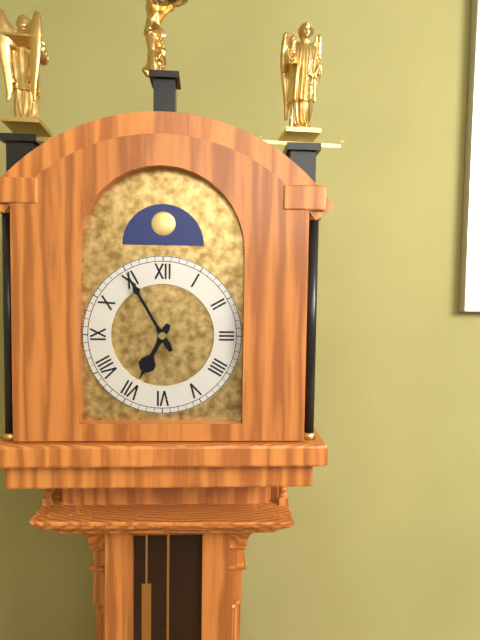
6:55
